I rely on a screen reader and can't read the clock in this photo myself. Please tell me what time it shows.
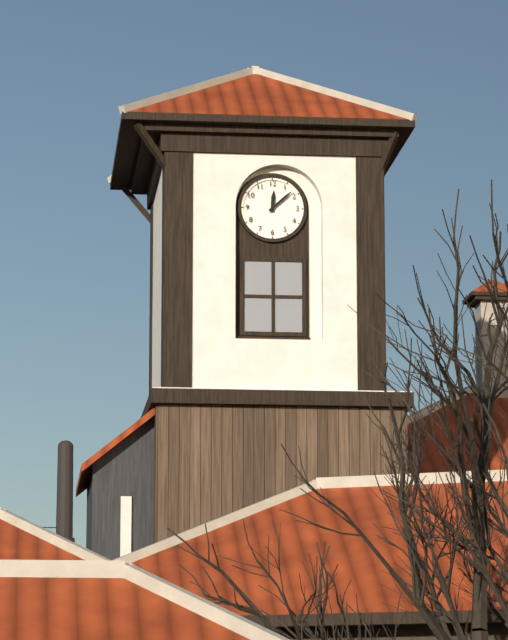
12:08
